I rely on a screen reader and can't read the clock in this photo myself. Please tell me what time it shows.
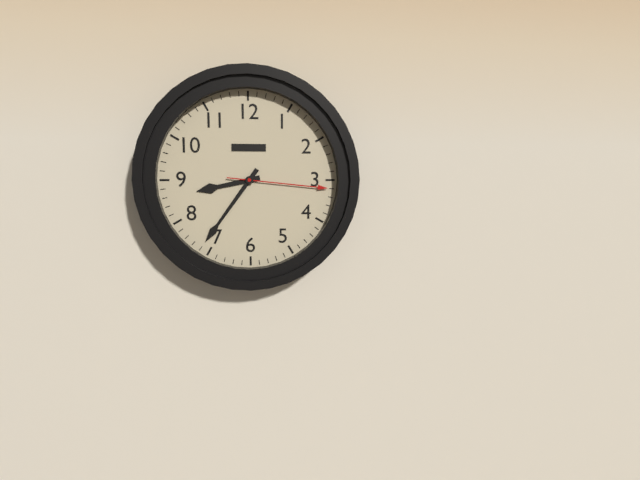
8:36:16
